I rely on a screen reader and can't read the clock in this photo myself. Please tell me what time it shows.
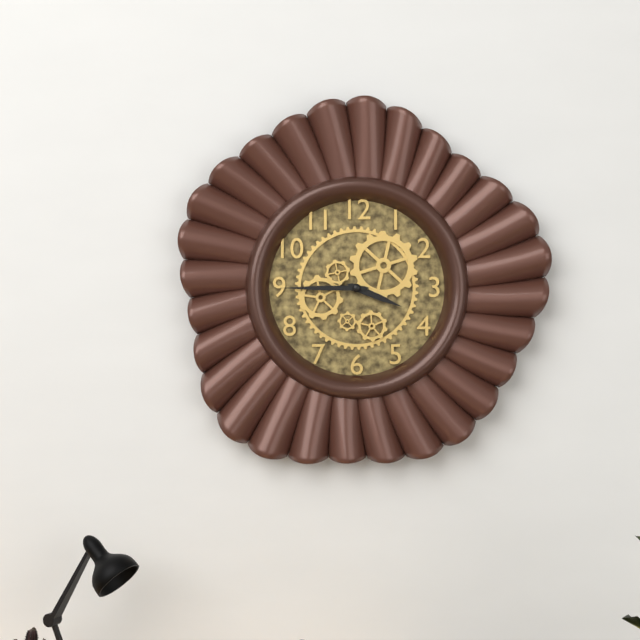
3:45
